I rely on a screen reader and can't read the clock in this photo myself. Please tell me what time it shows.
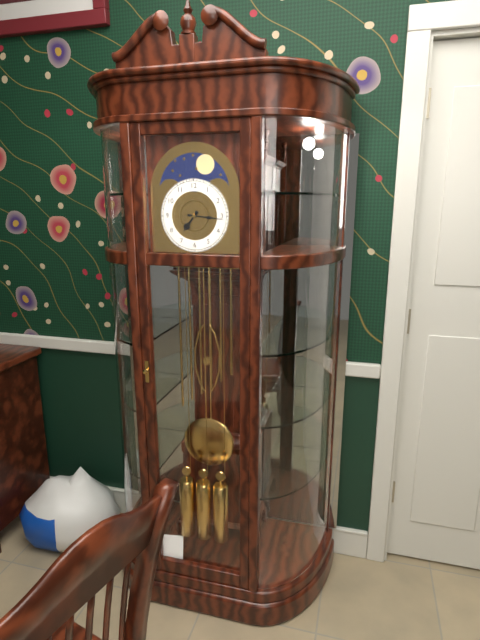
7:16
